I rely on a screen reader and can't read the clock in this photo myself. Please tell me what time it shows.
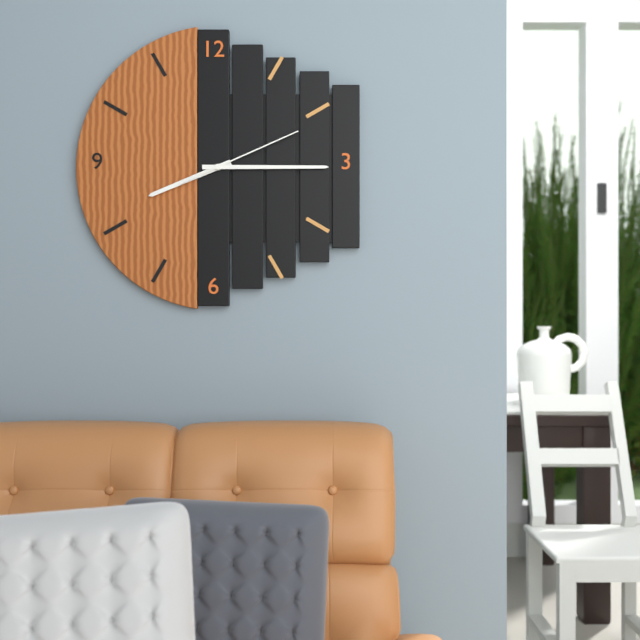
8:15:11
